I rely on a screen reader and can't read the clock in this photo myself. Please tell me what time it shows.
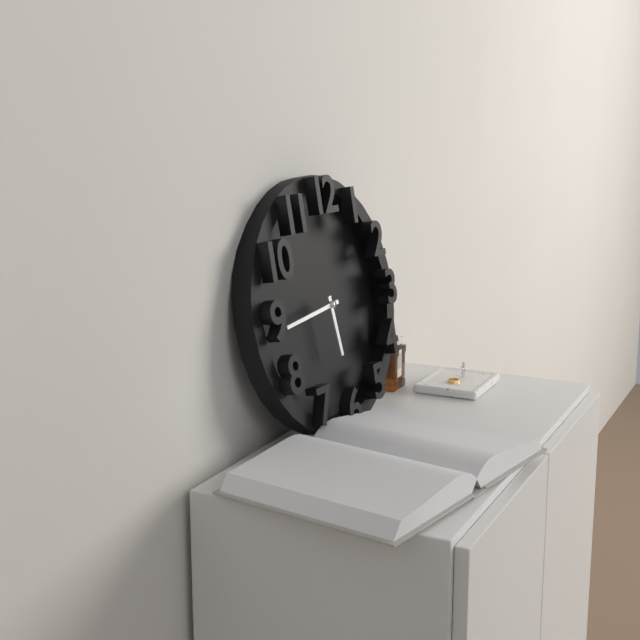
5:44
